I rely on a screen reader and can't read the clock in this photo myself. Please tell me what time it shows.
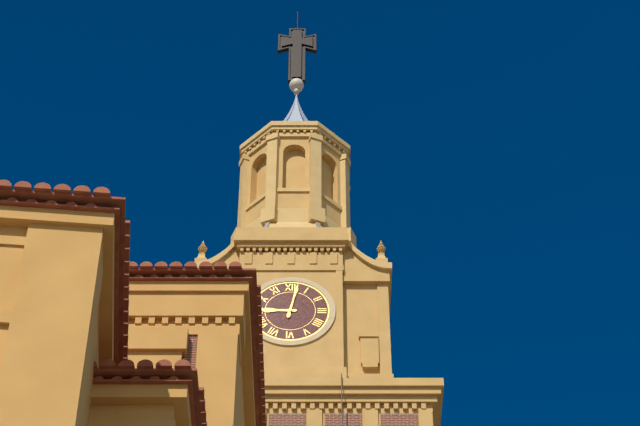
9:02
